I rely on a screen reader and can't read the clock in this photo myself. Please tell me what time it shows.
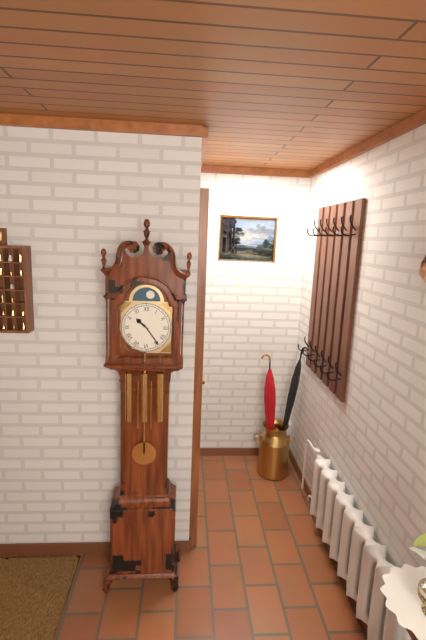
10:24
